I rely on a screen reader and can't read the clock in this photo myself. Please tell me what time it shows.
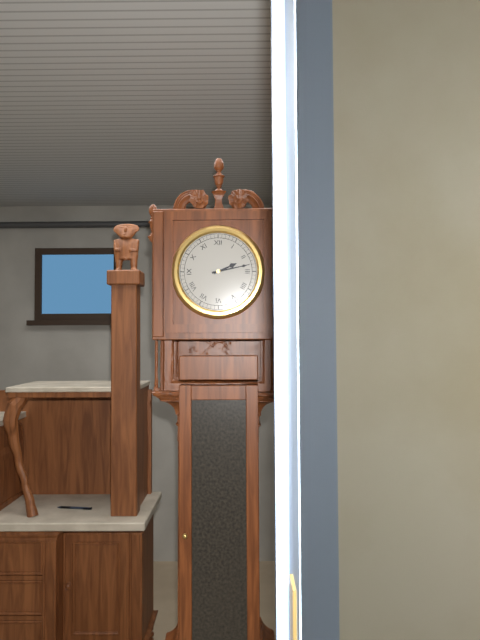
2:13
